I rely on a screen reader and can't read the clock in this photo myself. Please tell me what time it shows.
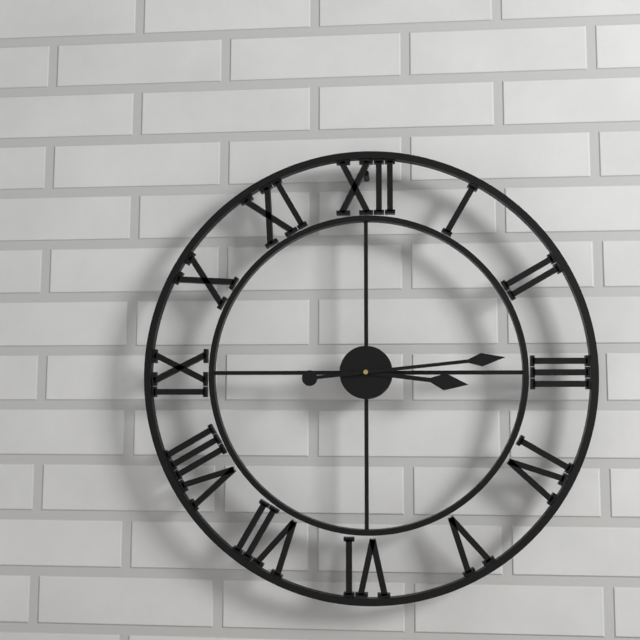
3:14
